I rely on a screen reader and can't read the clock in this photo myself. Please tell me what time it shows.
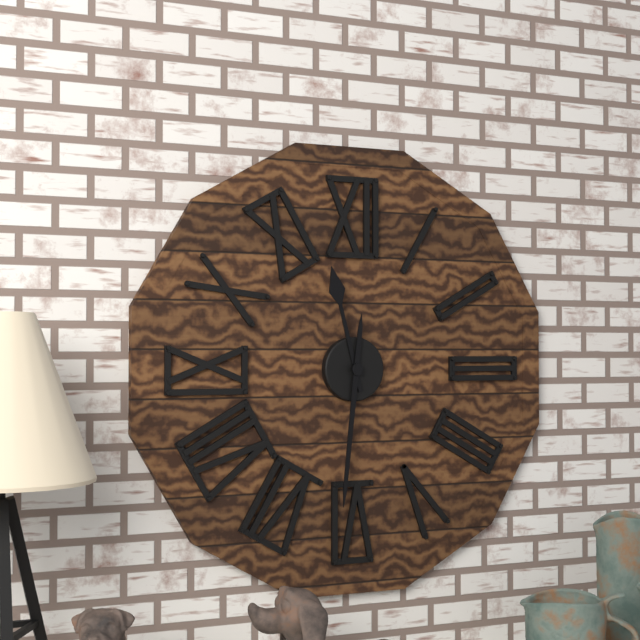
11:31
